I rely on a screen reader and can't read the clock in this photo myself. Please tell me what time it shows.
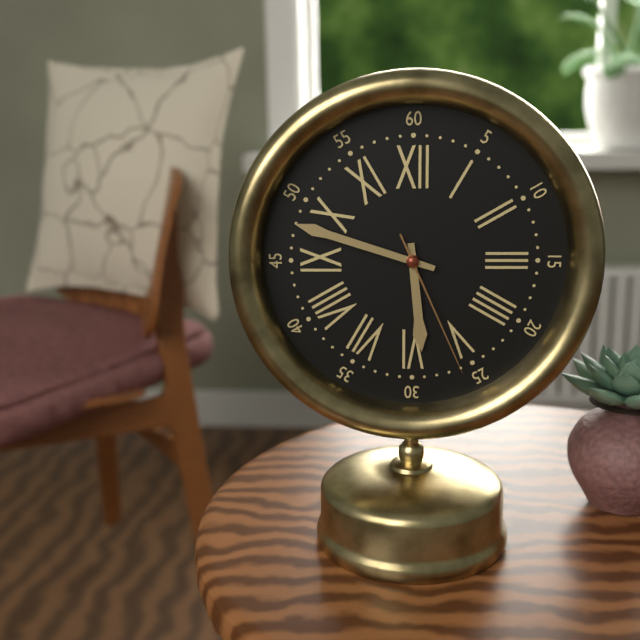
5:48:26
